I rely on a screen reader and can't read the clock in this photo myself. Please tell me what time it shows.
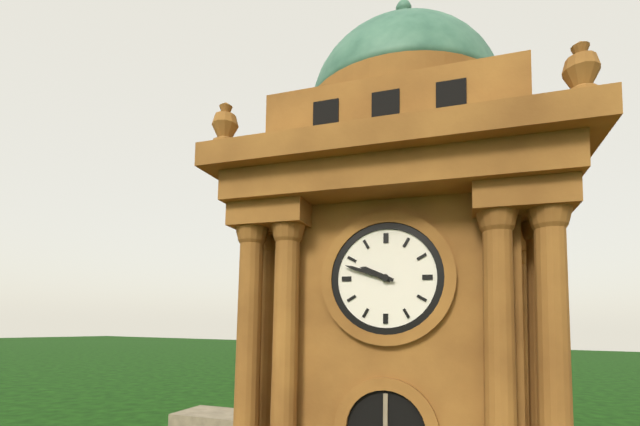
9:48
